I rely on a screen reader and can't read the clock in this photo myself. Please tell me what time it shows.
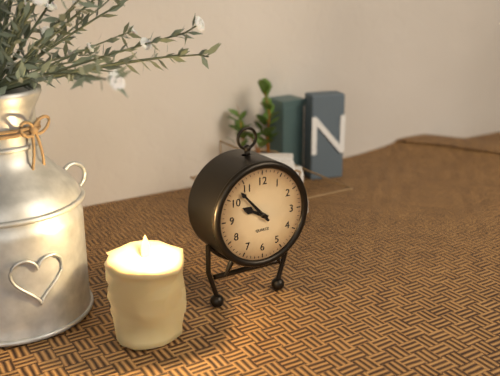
9:53
